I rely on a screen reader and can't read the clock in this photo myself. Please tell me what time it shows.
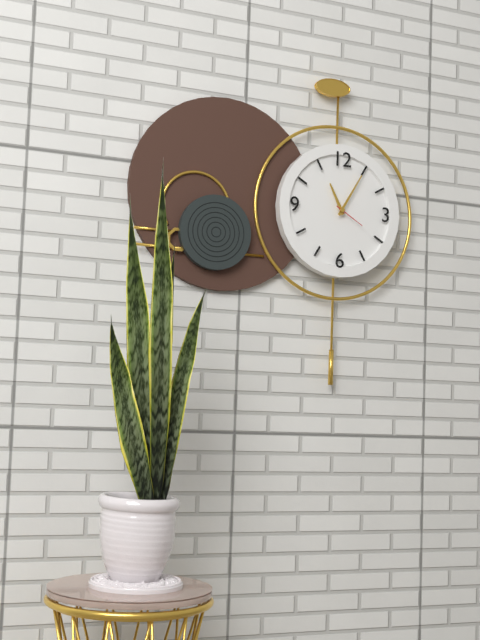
11:05
